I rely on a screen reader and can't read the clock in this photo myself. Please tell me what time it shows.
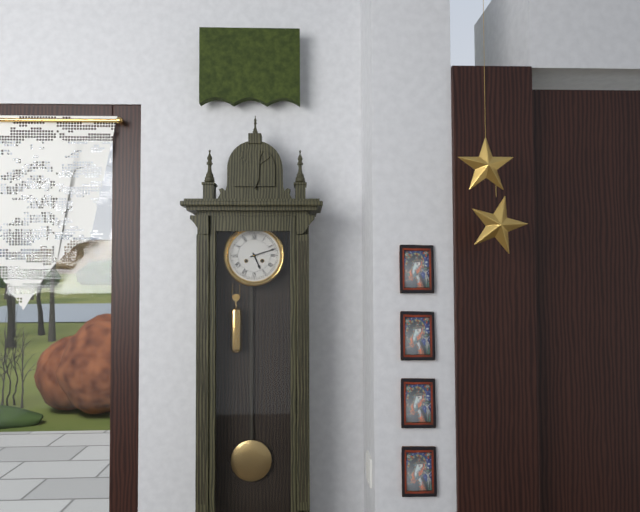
5:12
